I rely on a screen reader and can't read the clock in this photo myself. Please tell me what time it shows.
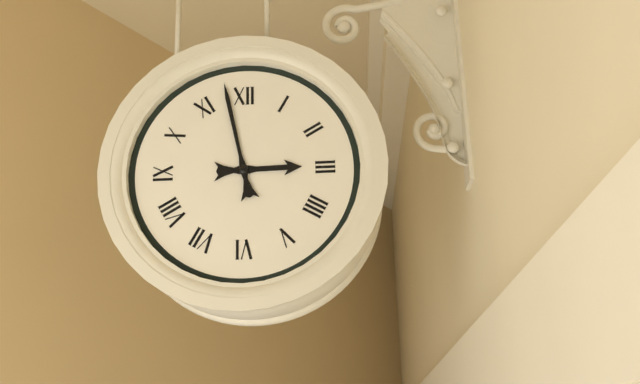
2:58
